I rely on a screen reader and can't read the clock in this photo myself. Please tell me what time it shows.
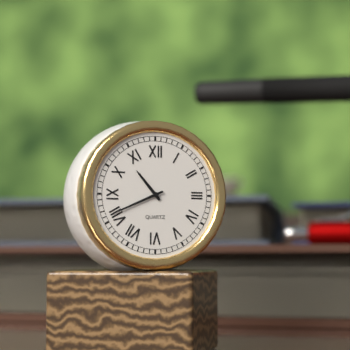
10:41
